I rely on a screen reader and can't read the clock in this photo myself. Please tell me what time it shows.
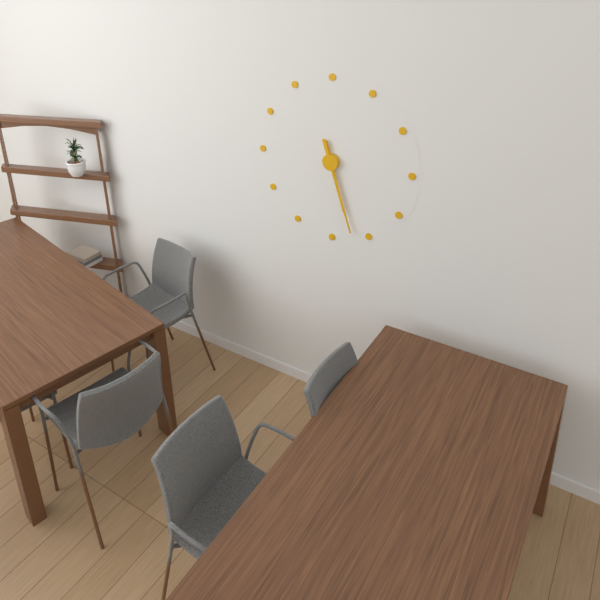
5:27
